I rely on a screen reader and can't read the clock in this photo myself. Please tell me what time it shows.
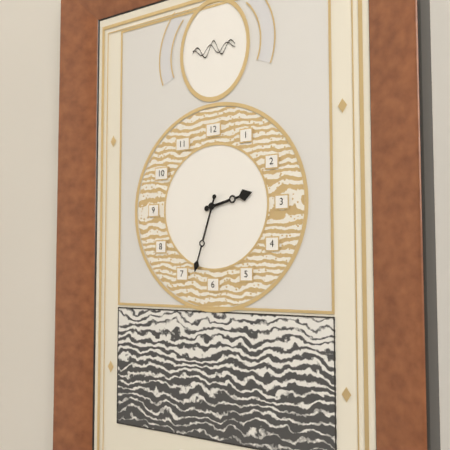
2:33
